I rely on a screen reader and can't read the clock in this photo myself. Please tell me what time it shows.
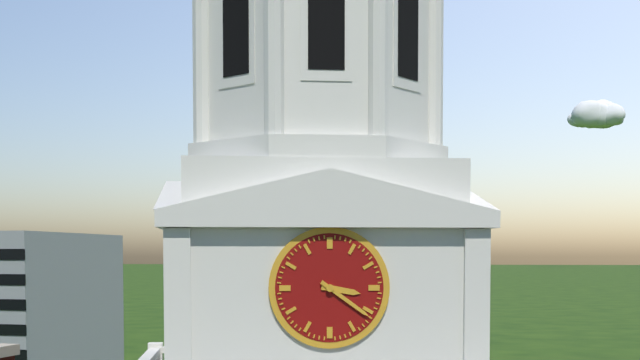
3:21
